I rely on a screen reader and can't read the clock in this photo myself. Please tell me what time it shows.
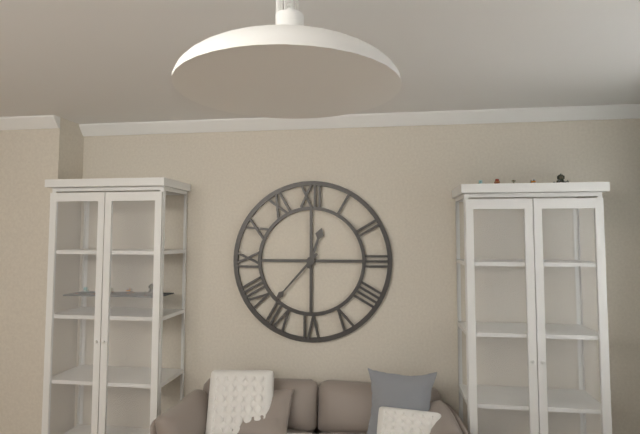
12:37
